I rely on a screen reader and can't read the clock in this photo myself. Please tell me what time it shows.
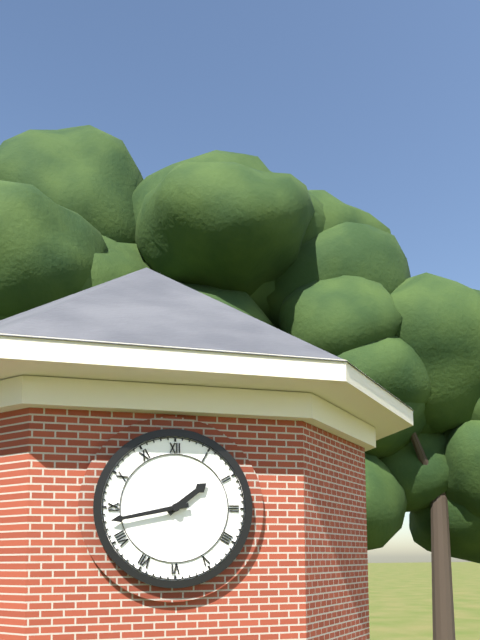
1:43
